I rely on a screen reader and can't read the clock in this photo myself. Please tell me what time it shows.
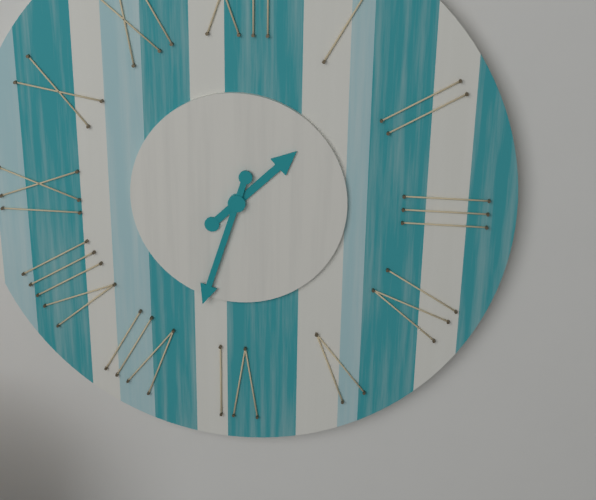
1:33
